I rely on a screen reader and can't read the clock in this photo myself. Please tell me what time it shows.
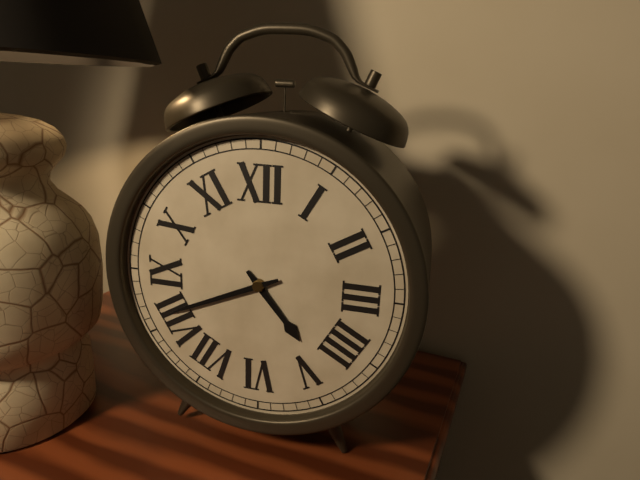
4:41
